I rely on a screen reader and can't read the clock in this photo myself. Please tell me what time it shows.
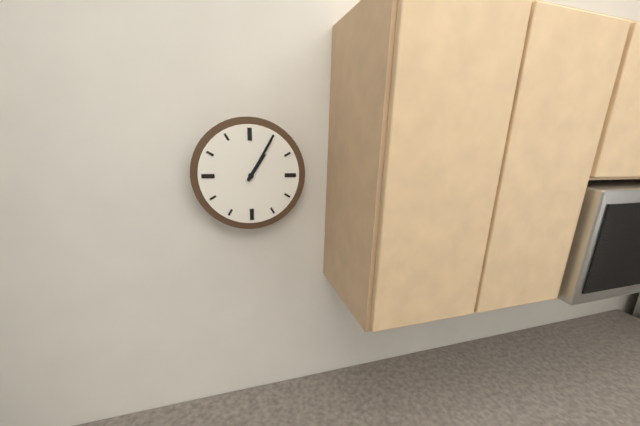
1:05
